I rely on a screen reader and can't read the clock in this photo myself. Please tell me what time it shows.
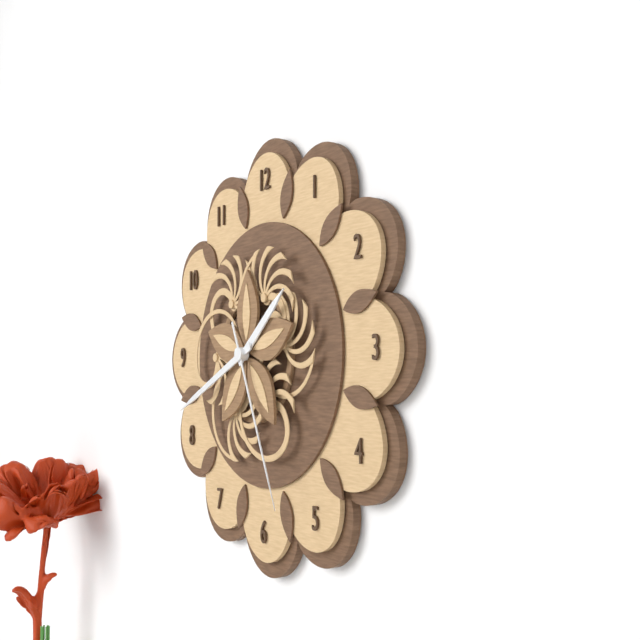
1:41:26
